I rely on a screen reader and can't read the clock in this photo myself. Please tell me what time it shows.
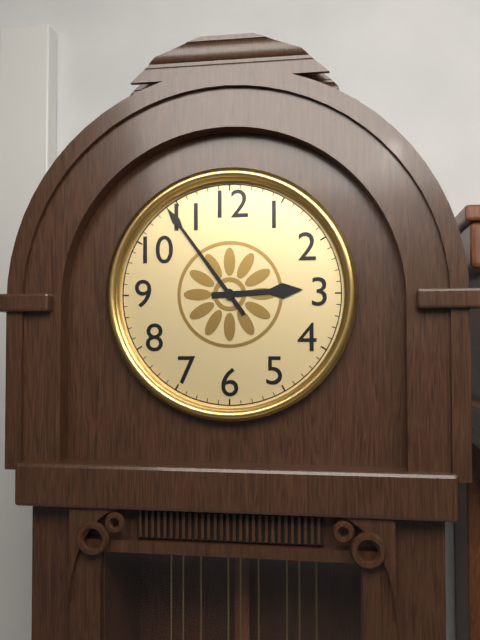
2:54
